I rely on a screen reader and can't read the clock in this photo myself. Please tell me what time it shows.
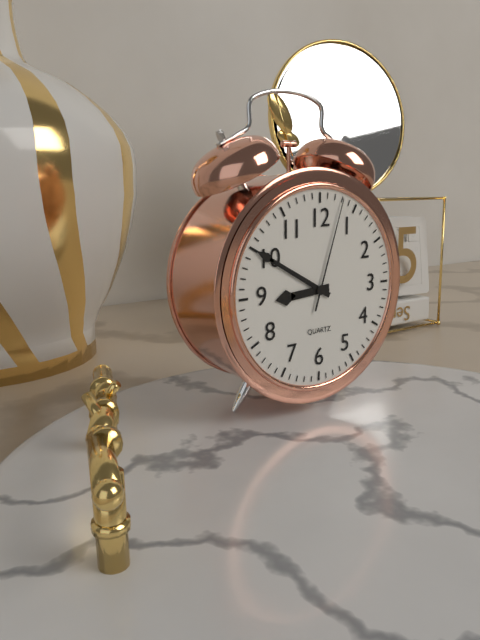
8:50:03
